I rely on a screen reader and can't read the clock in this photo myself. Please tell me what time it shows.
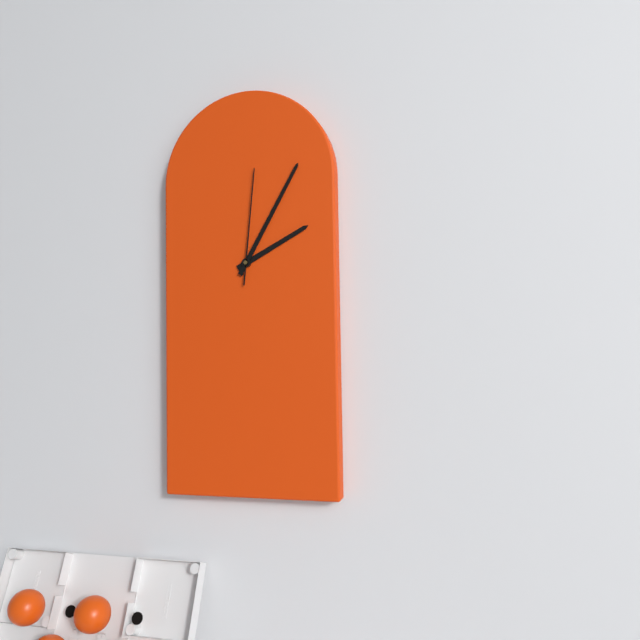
2:05:01
